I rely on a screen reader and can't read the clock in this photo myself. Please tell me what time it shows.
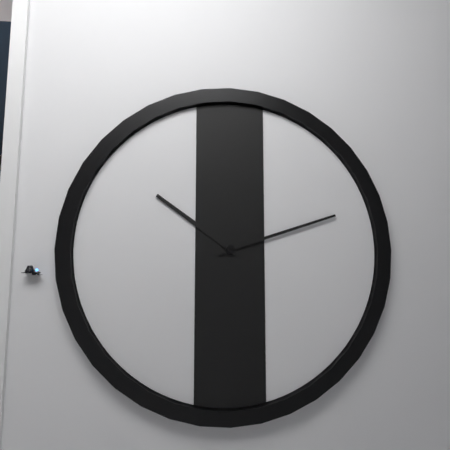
10:12
